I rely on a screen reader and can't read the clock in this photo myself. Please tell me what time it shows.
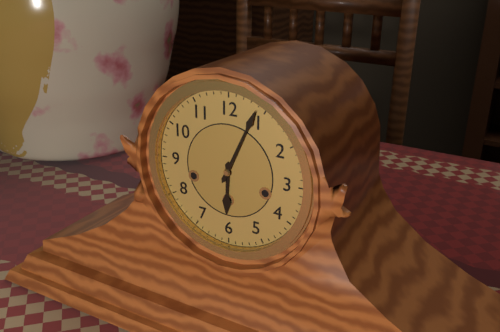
6:04
